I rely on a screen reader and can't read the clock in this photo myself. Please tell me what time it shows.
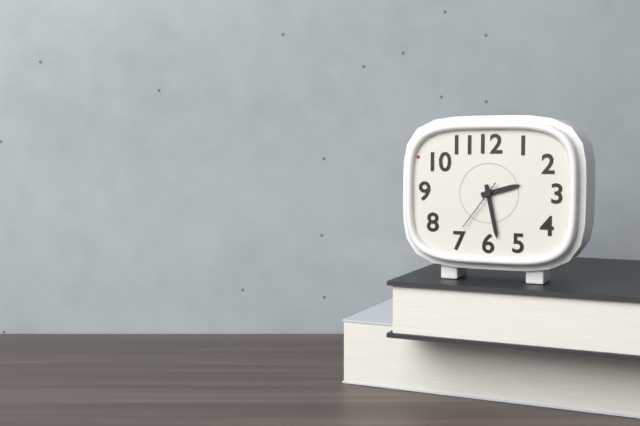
2:28:36
